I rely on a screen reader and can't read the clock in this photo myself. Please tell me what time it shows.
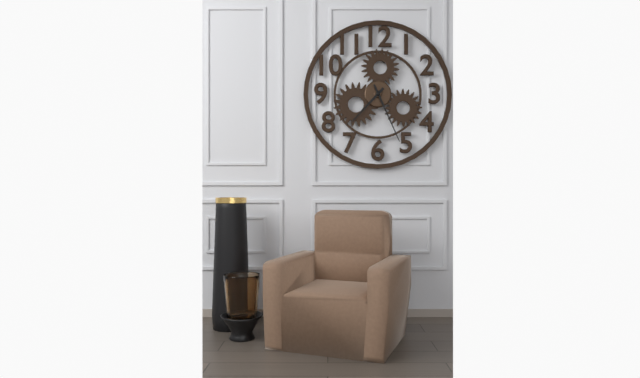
7:26
